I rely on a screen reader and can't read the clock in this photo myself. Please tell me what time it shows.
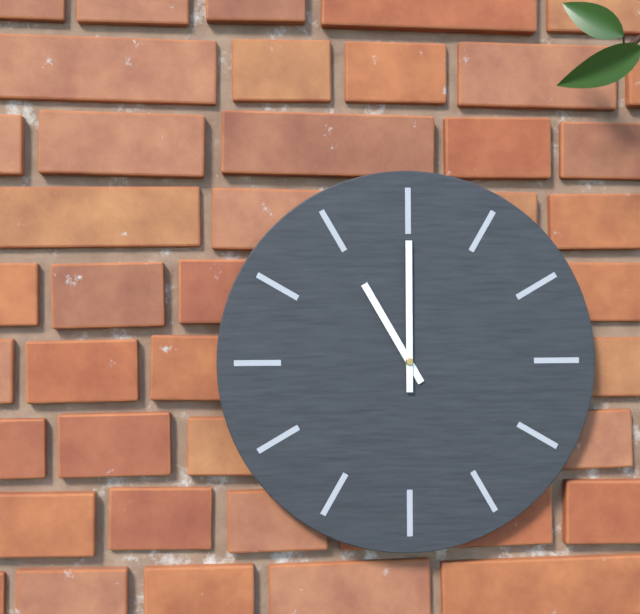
11:00
